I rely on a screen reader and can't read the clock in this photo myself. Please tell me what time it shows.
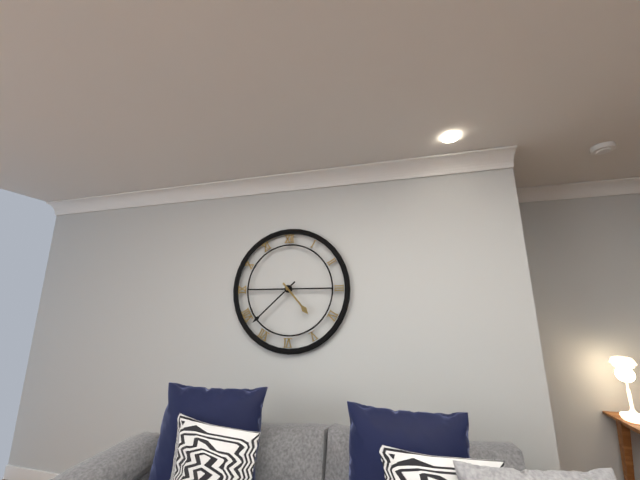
4:38
